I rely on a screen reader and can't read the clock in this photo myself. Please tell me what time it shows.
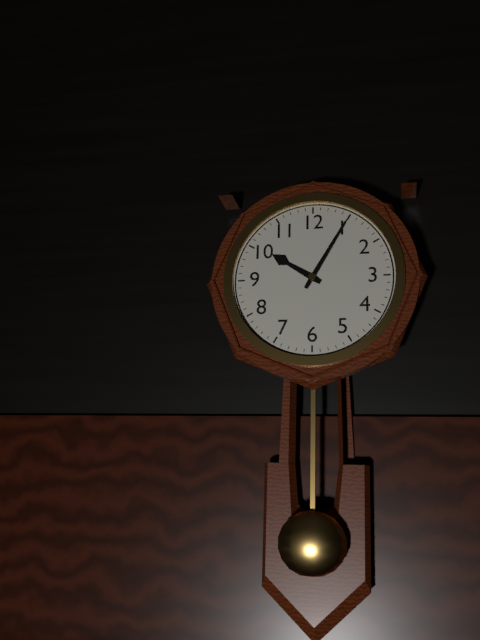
10:05
